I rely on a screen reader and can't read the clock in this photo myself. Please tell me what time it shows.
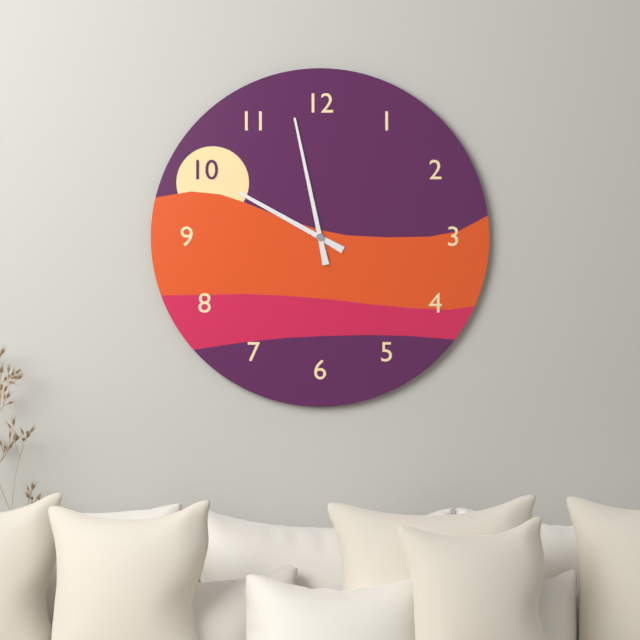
9:58
